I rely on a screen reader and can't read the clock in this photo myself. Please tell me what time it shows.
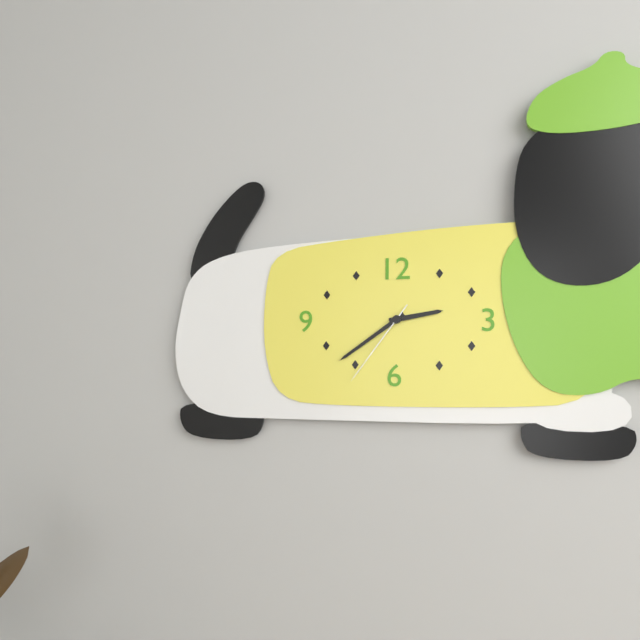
2:39:36
